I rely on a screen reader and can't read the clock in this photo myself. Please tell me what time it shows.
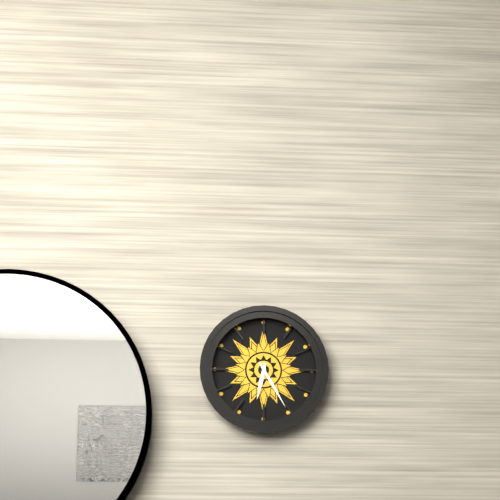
6:25
